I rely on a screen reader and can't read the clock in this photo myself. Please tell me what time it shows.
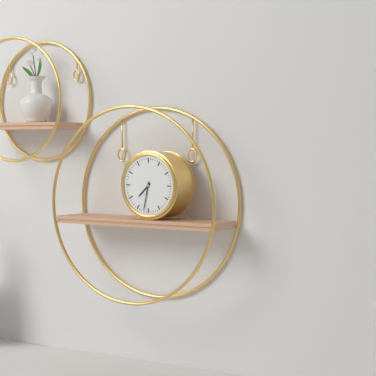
7:32
